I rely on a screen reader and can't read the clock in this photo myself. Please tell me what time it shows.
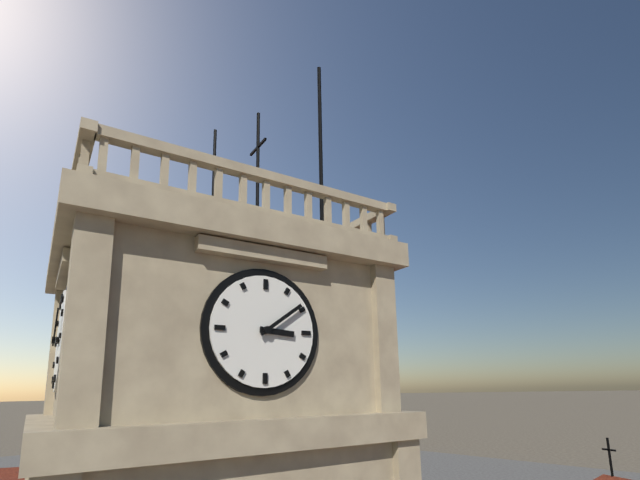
3:09
